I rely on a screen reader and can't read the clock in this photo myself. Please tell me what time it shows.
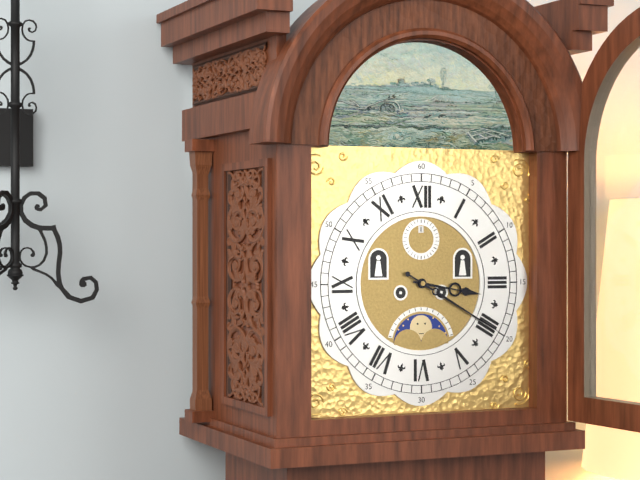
3:20
